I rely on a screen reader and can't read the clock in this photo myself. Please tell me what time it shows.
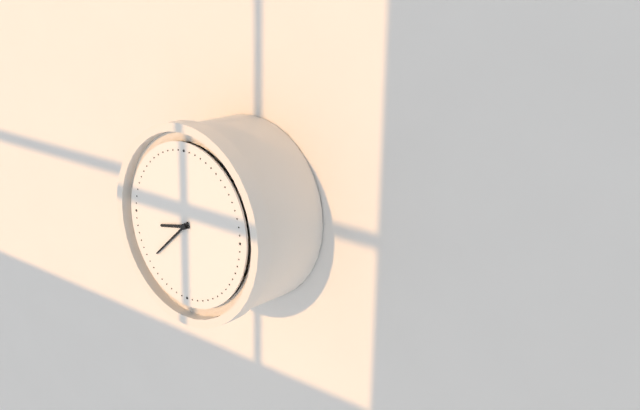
8:38
